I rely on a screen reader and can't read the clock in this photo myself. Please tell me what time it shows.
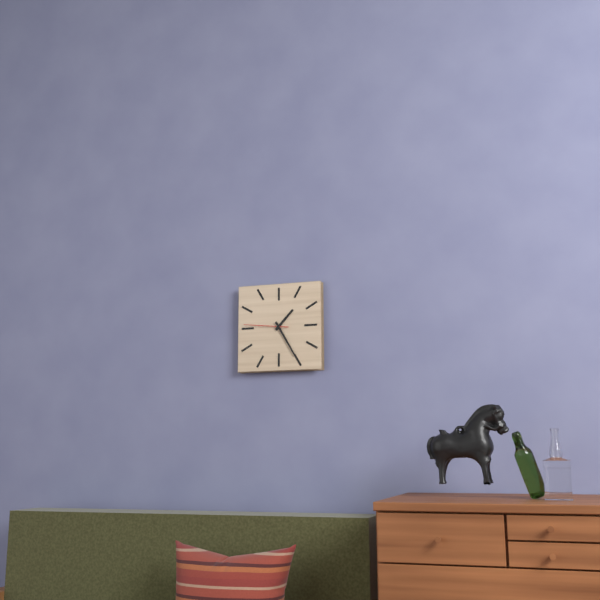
1:25
